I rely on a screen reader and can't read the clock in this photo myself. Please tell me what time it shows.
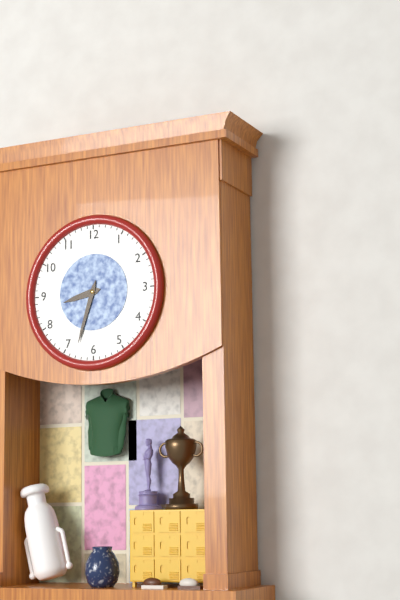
8:33
